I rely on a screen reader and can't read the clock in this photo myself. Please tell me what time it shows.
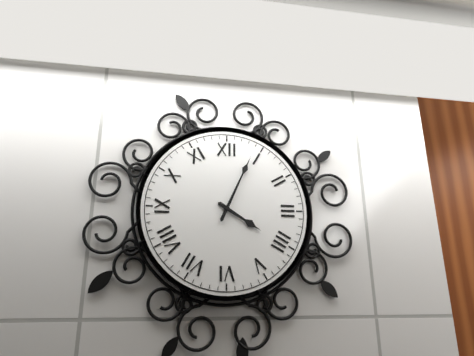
4:04
